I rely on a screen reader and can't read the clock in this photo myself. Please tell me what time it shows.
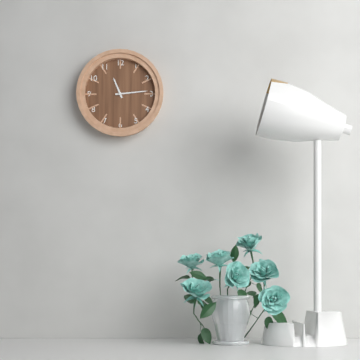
11:14
